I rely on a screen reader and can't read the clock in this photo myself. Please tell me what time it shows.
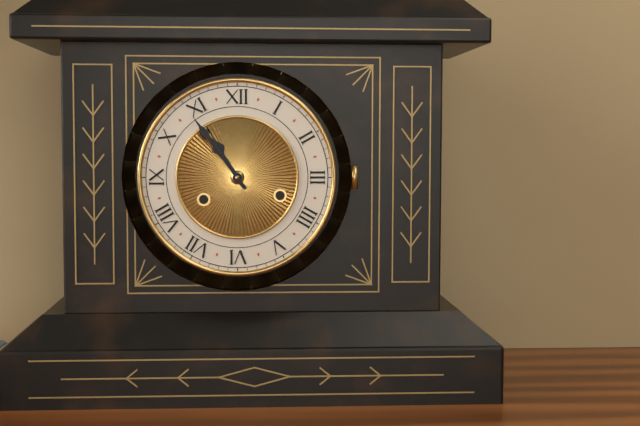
10:54
